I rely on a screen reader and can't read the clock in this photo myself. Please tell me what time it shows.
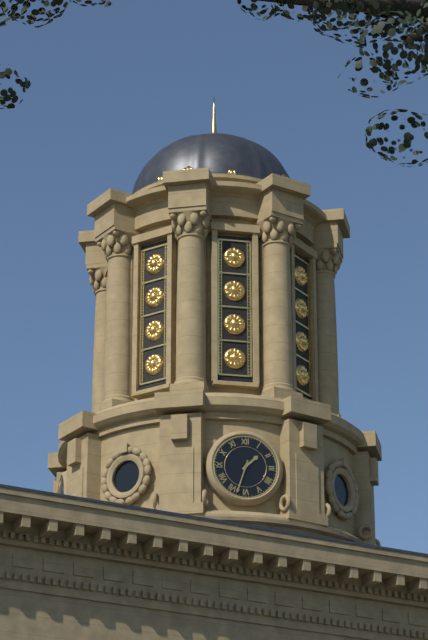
1:33
